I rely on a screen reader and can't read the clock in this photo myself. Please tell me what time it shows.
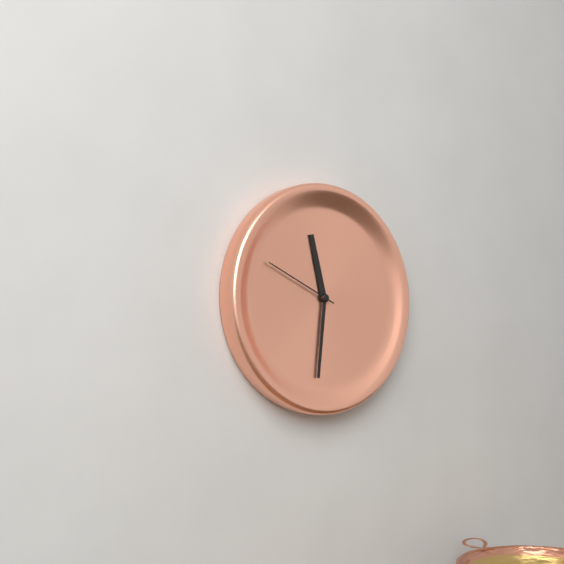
11:31:49
